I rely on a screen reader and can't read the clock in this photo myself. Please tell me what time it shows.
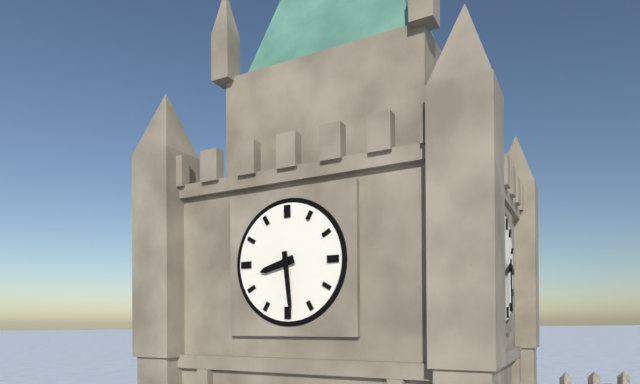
8:29
